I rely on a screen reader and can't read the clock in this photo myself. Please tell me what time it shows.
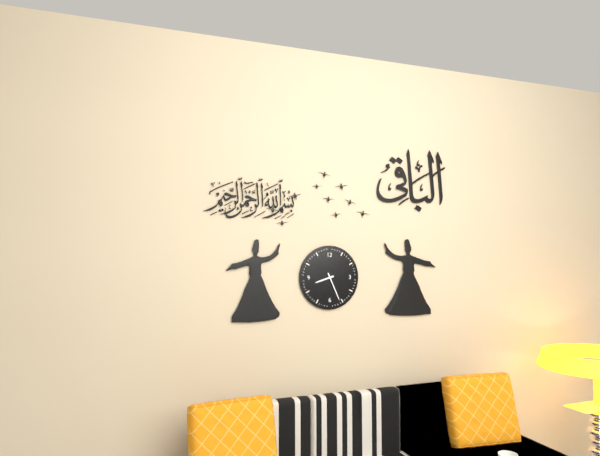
8:26
